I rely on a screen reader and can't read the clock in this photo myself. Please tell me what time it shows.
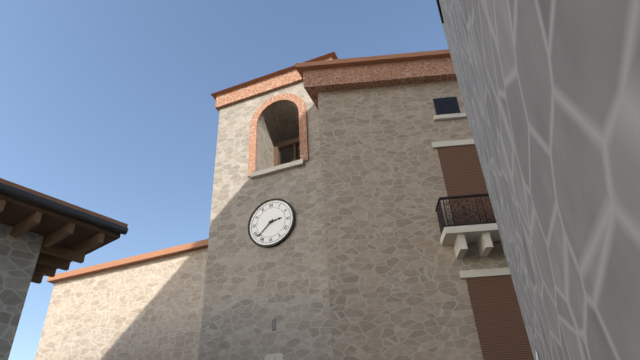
2:38
